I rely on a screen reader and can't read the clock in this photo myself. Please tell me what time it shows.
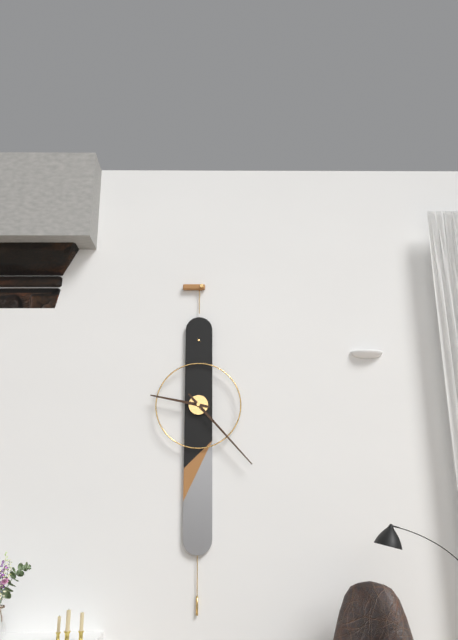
9:23
